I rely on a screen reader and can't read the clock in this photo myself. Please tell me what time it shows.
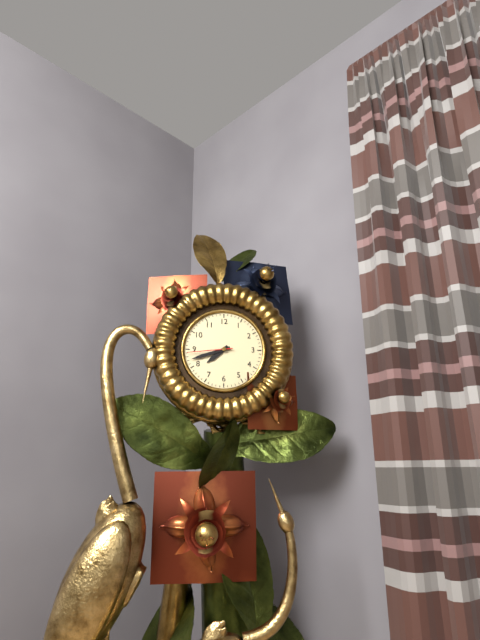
7:42
